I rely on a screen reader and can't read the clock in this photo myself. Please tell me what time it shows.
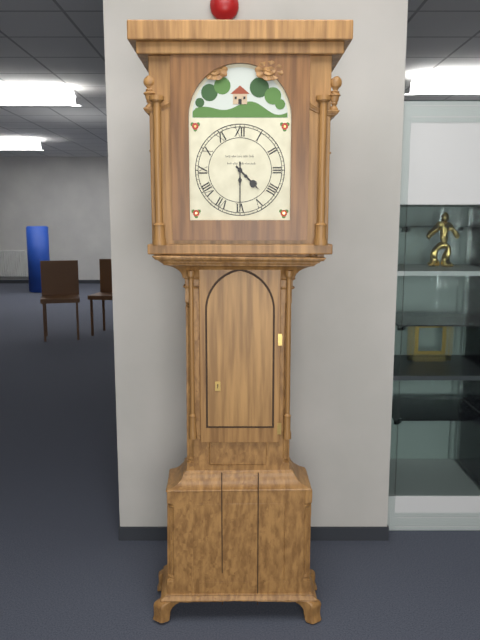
4:30
